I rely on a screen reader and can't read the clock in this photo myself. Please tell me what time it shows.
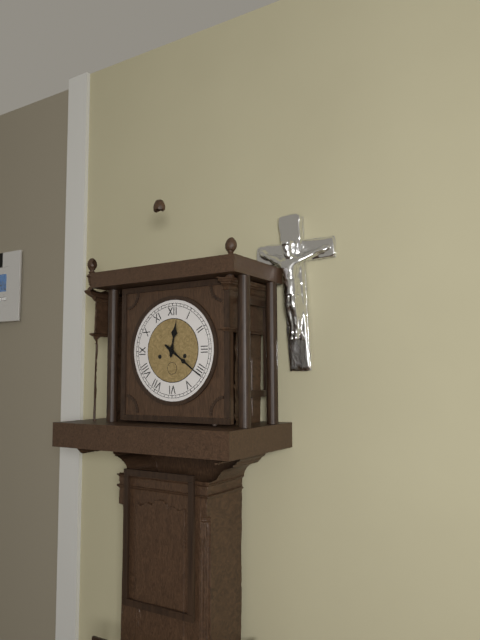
12:21
